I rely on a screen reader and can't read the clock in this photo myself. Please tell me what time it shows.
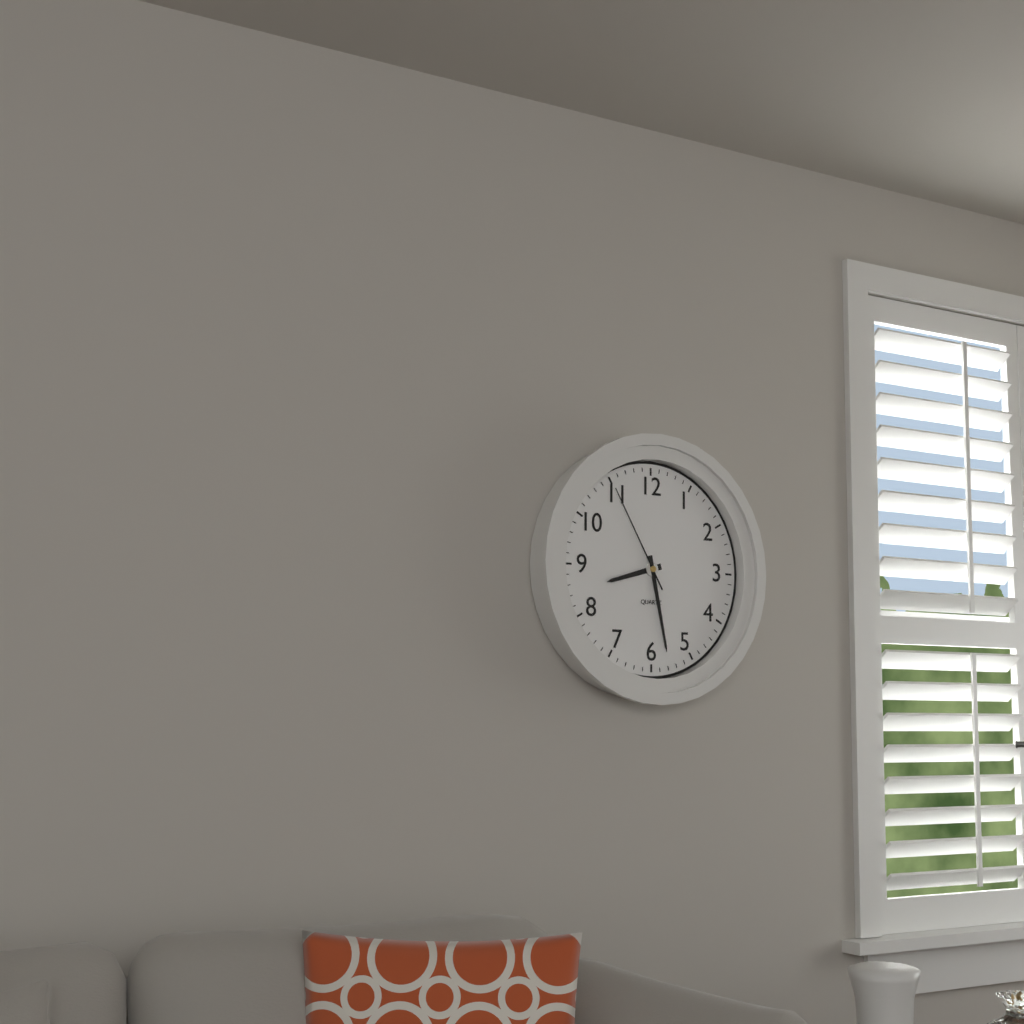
8:28:55
